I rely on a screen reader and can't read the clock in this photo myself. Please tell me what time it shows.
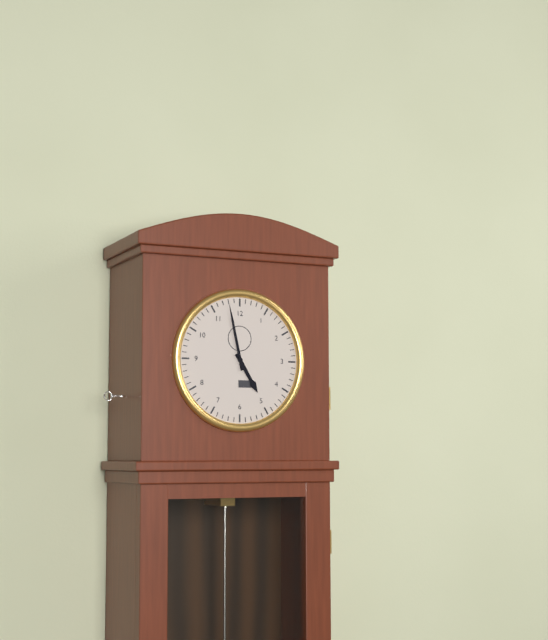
4:58
